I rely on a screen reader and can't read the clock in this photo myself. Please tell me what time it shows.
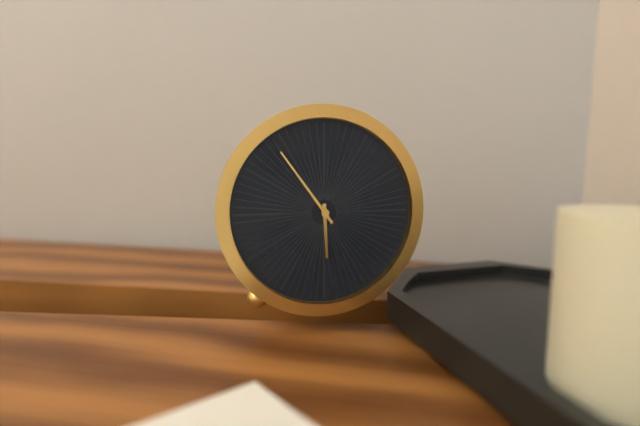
5:54
